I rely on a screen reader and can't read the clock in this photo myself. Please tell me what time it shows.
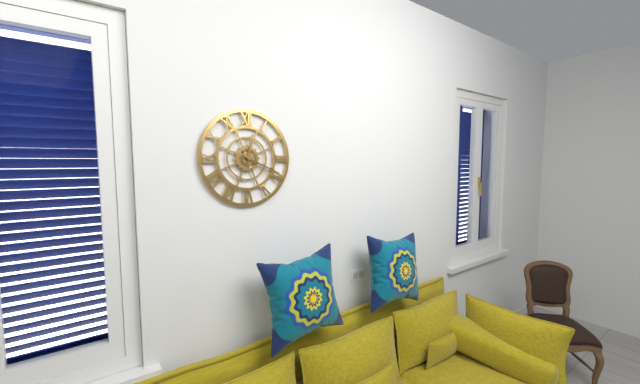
12:19
